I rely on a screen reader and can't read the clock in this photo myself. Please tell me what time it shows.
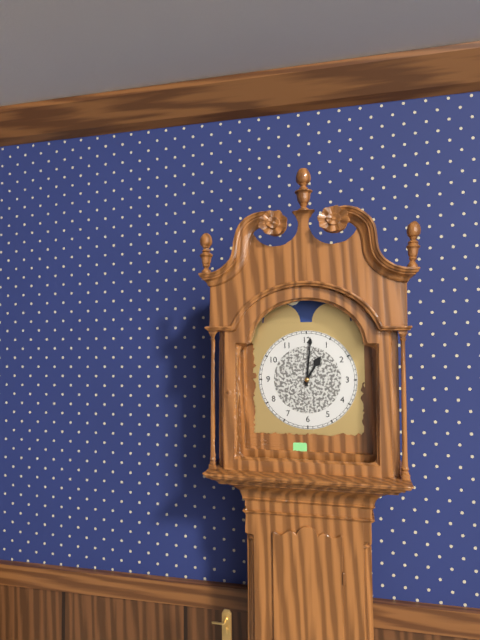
1:01
